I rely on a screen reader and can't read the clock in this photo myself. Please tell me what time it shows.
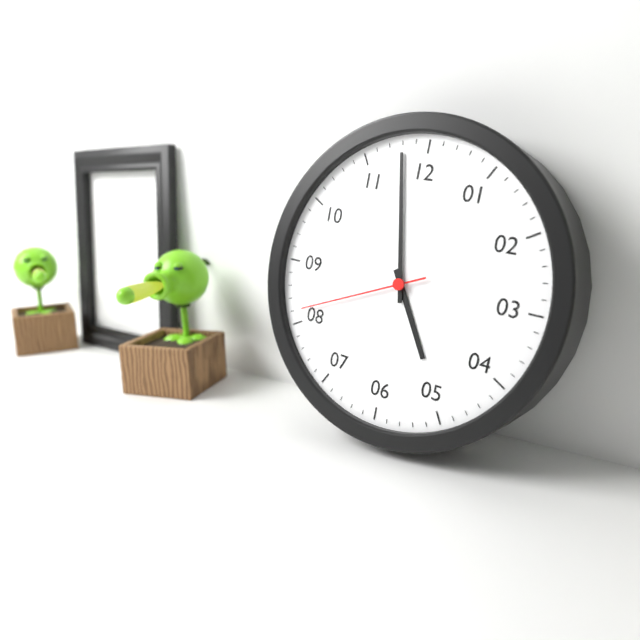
4:58:41
